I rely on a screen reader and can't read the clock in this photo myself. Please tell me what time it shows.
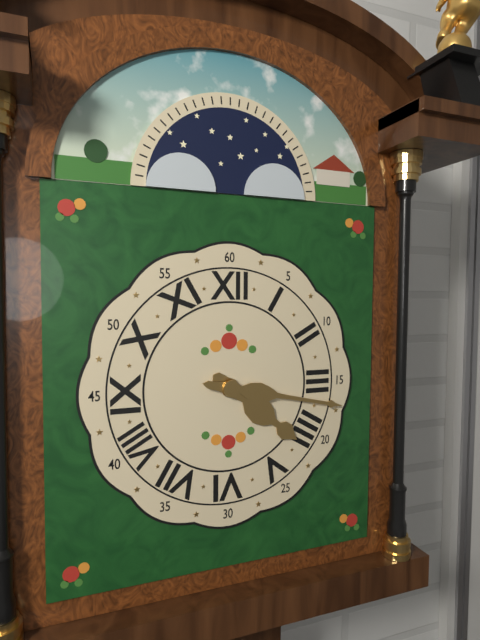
4:17
